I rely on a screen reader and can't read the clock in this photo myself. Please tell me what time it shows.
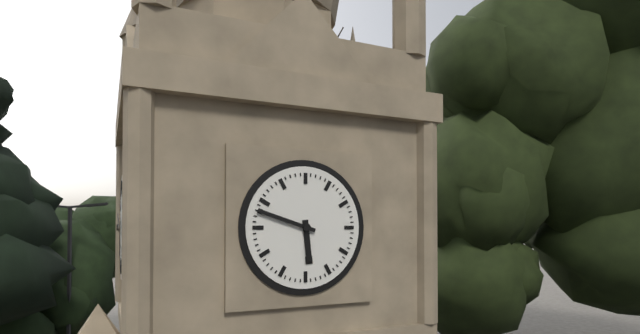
5:48
